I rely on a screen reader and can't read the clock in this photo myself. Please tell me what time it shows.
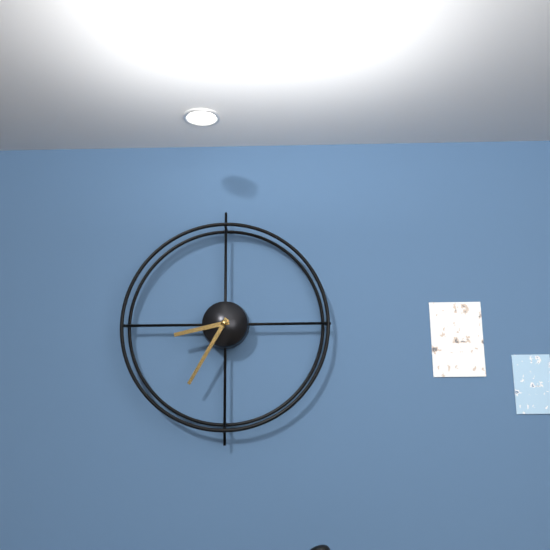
8:35
